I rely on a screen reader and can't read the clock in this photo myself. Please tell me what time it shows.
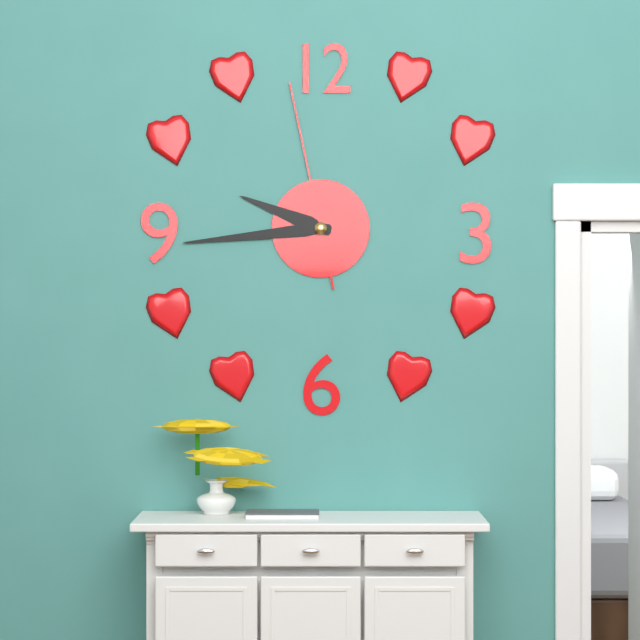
9:44:58
